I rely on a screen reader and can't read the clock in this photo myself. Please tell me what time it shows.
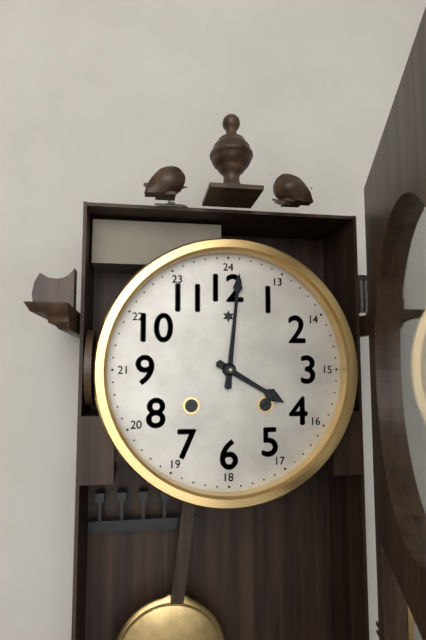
4:01
